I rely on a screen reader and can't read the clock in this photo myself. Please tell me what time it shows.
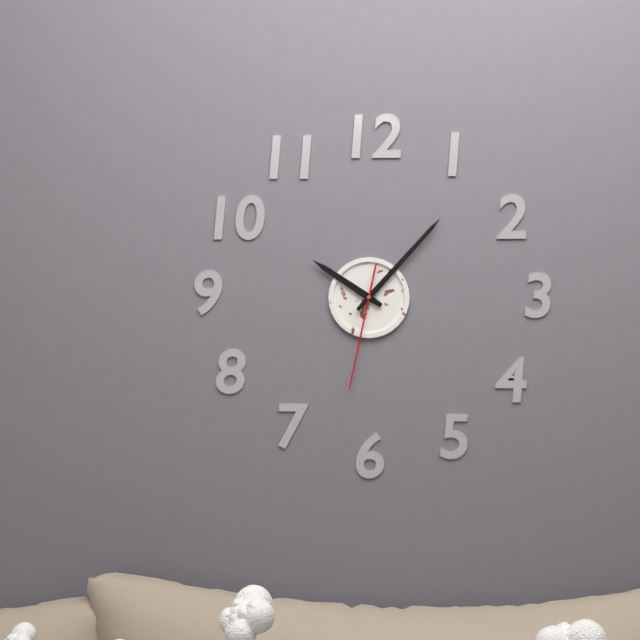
10:07:32
